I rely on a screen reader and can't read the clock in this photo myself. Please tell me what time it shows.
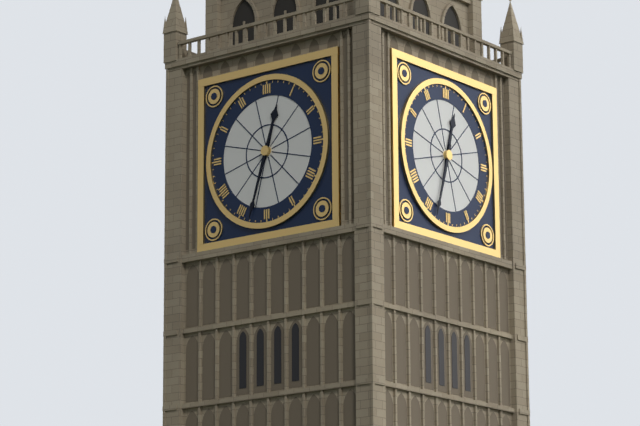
12:33
